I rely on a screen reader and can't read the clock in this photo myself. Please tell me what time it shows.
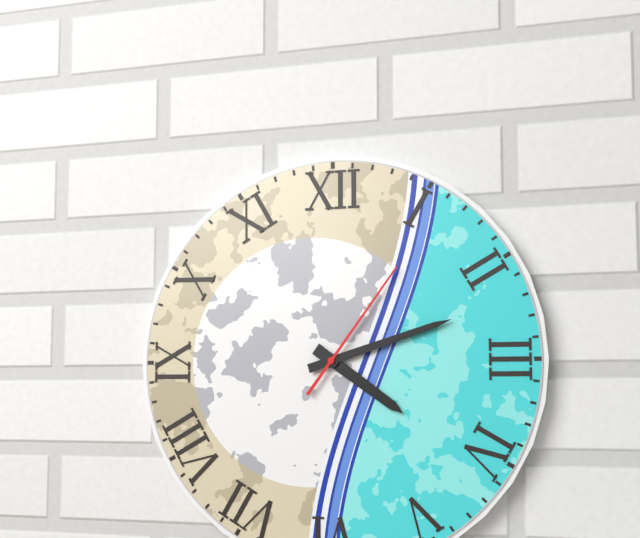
4:12:06
